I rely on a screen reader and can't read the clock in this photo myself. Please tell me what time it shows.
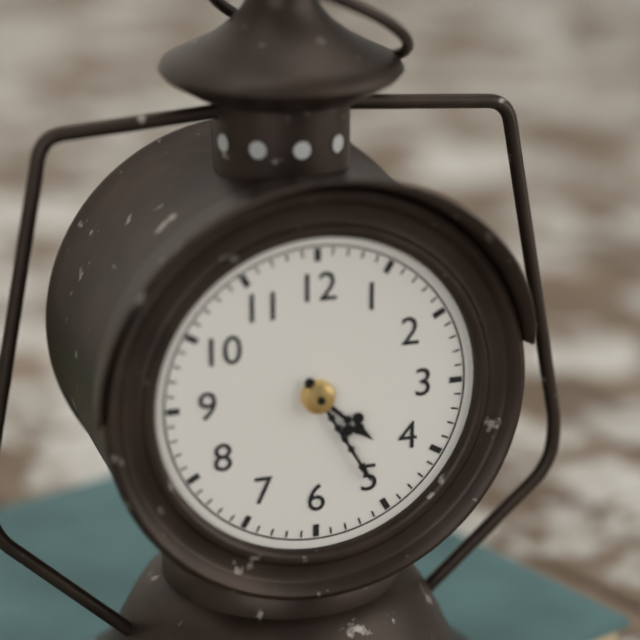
4:25
